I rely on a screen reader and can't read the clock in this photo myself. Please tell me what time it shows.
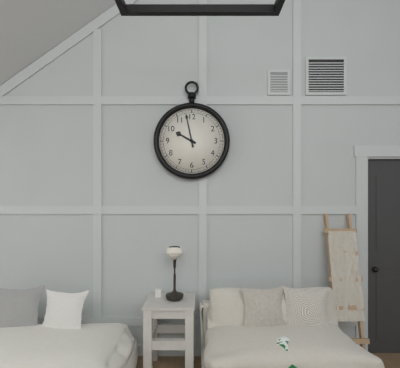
9:58
